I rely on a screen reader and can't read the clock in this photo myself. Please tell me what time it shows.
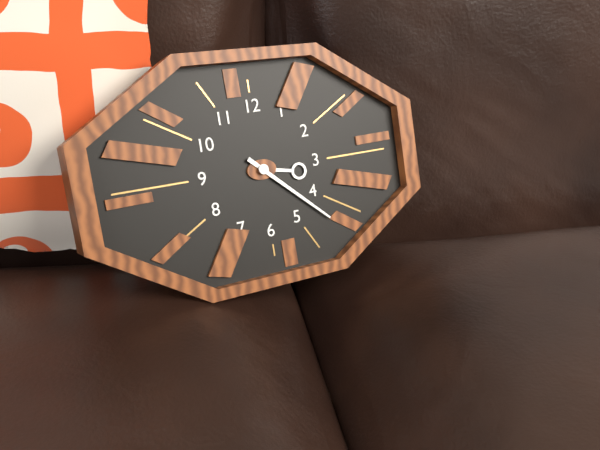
3:22
